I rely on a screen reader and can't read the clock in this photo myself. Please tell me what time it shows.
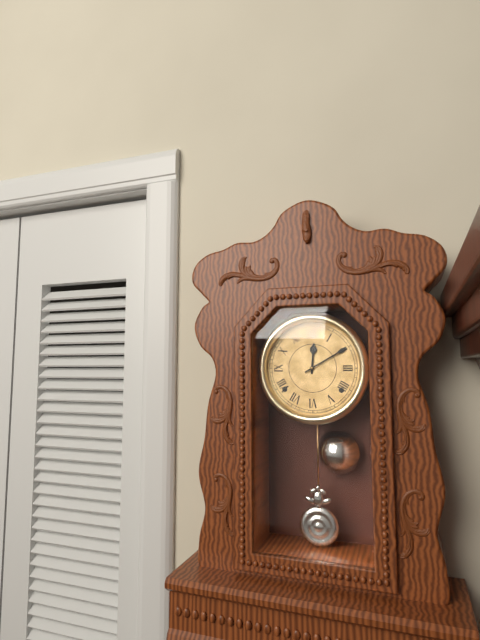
12:10
